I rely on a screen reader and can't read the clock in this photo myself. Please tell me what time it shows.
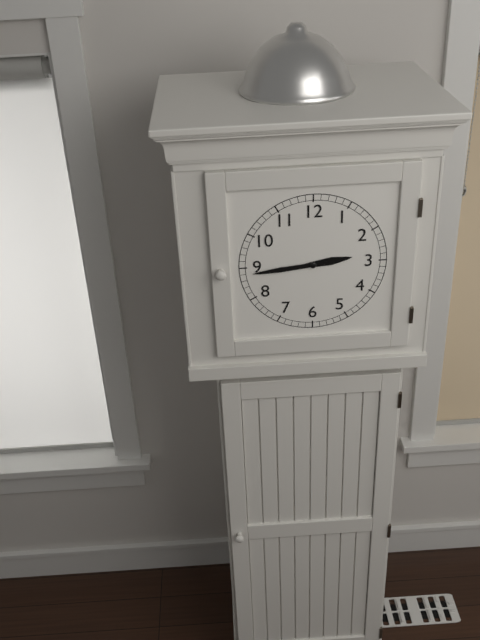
2:44
